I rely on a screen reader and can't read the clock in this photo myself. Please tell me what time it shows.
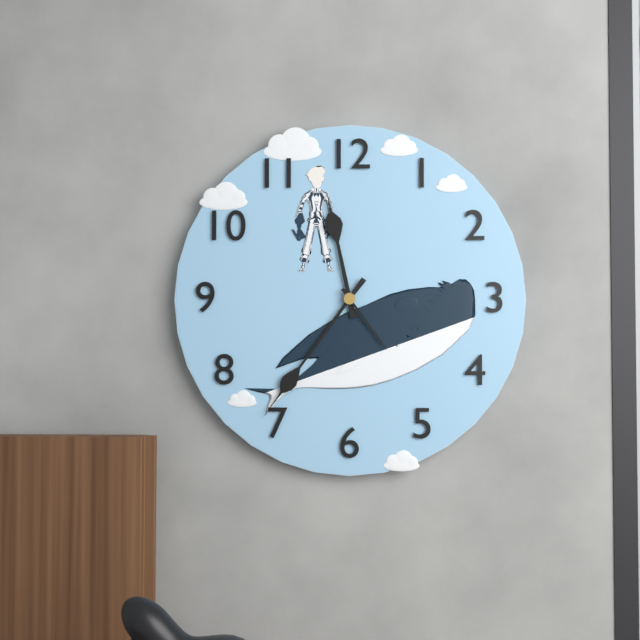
11:36:24
